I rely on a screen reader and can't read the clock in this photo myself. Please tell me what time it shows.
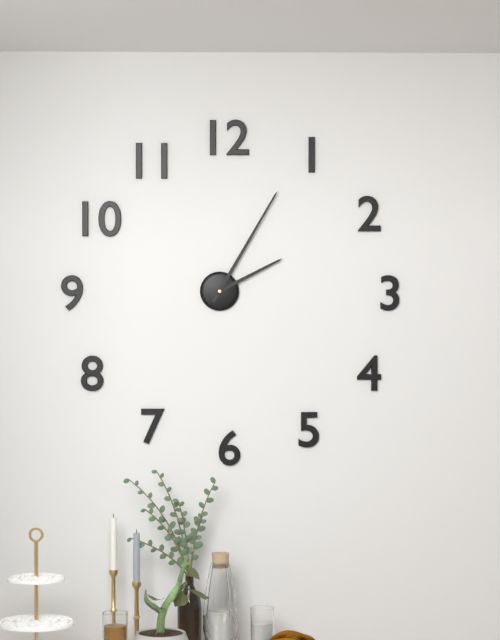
2:05
